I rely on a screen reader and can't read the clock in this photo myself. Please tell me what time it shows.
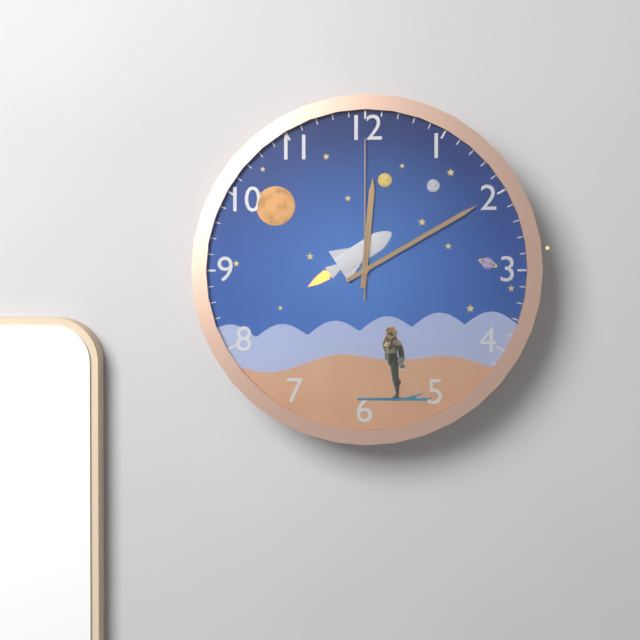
12:10:00
